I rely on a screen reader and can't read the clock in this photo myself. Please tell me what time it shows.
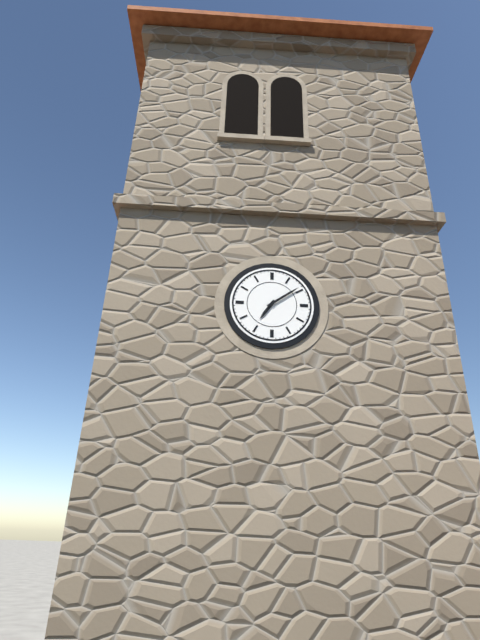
7:09
